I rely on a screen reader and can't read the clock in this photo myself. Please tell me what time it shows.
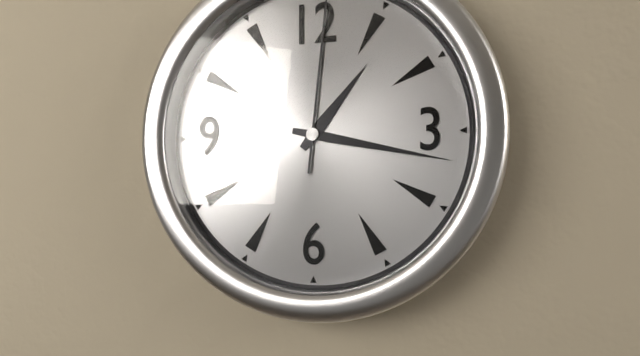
1:17
